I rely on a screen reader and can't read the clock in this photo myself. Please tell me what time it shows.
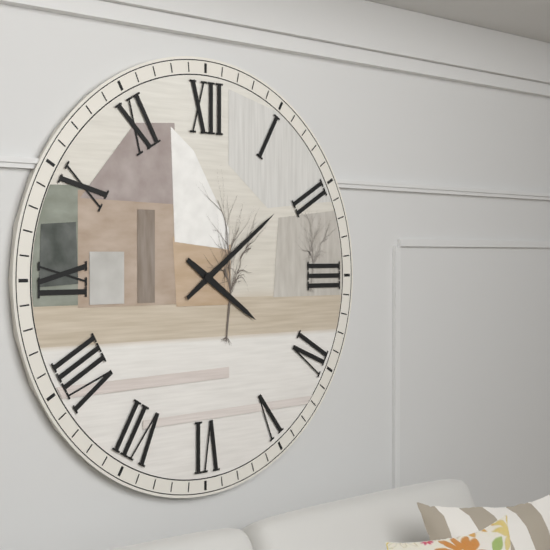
4:09
